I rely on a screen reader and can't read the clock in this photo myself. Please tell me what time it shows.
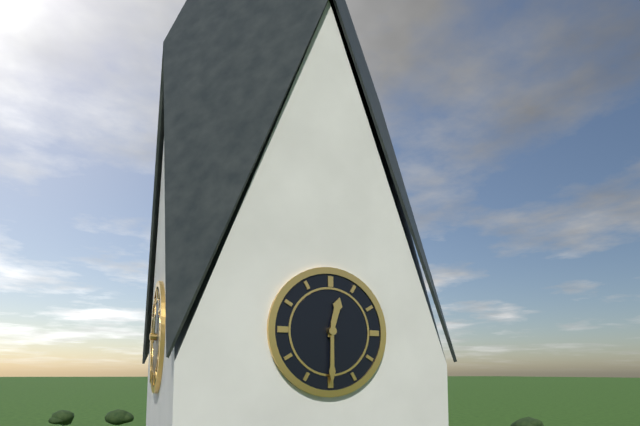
12:30
